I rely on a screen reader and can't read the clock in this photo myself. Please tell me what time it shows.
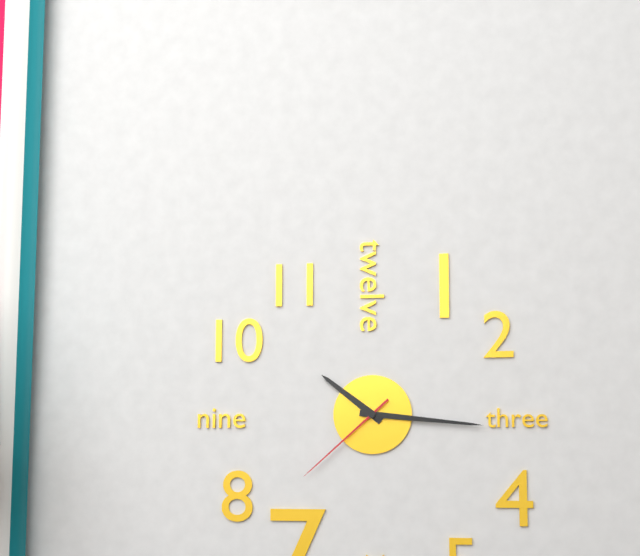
10:16:38
